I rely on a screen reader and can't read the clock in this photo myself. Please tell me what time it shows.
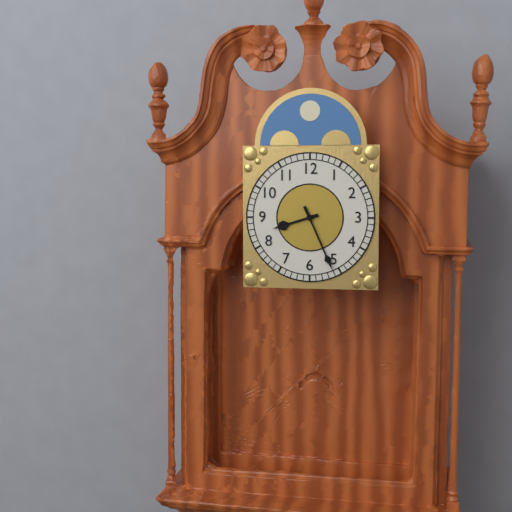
8:26
